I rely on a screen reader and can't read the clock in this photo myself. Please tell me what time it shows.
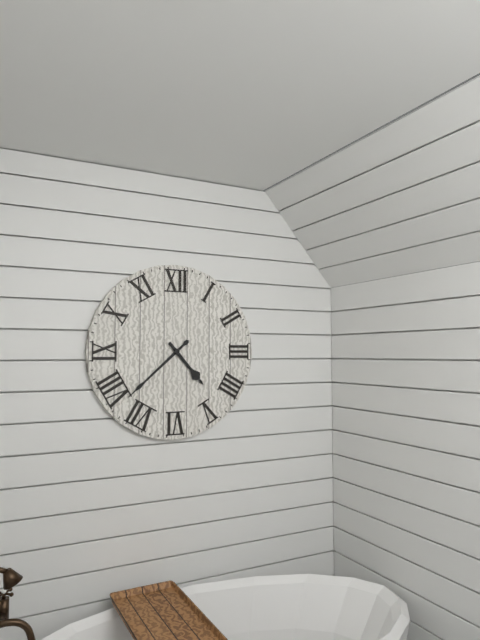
4:38
